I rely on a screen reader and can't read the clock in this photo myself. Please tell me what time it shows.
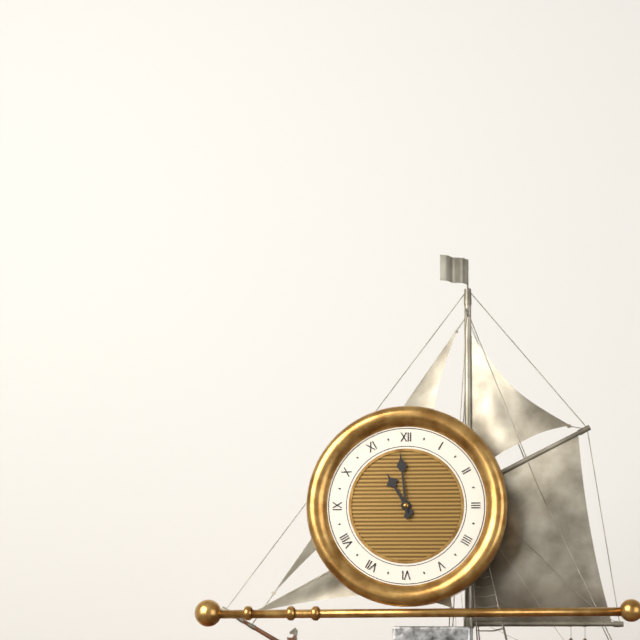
10:59
